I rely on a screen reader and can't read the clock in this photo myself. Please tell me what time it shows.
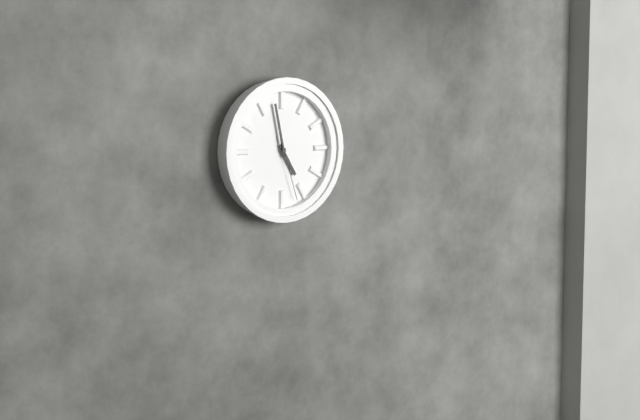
4:58:27
